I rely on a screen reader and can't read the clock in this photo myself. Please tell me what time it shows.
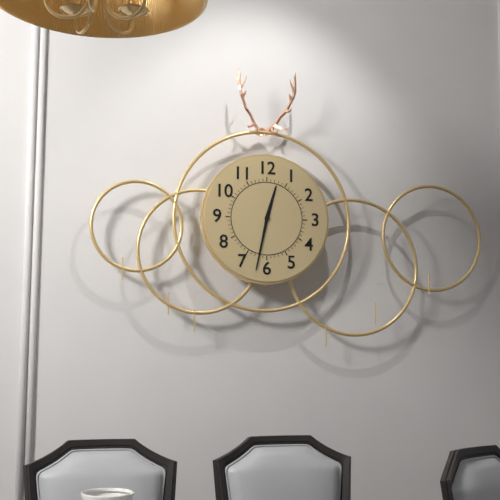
12:32
